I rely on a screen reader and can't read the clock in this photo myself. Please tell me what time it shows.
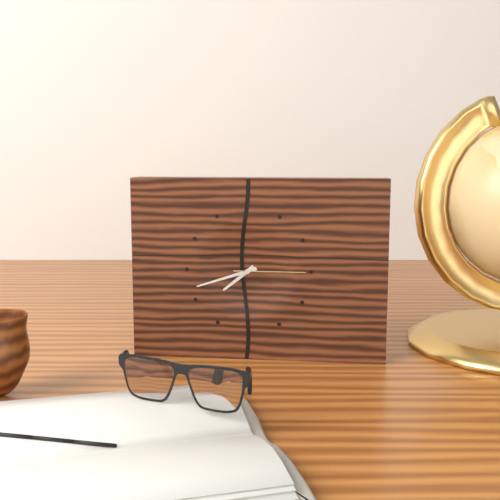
7:42:15
